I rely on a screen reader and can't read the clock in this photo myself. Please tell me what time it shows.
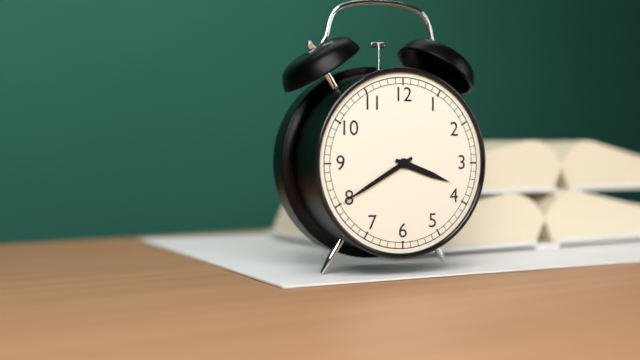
3:40
